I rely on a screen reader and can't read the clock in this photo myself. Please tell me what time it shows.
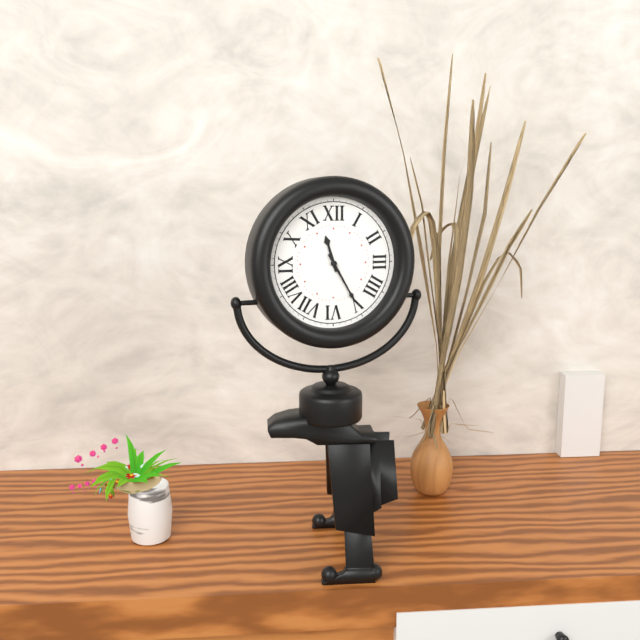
11:25
